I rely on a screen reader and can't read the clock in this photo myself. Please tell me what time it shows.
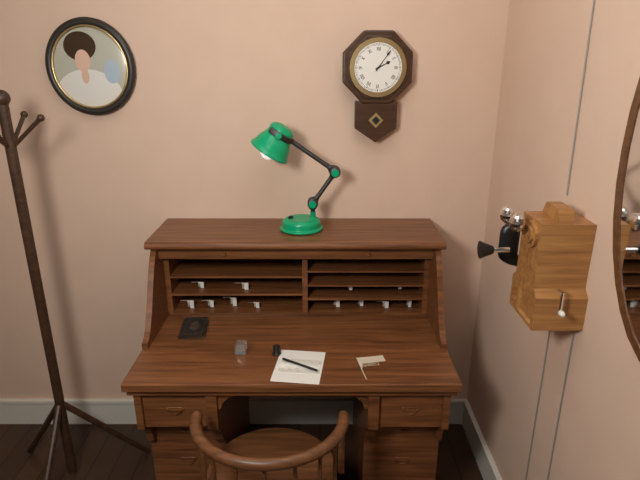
2:06
